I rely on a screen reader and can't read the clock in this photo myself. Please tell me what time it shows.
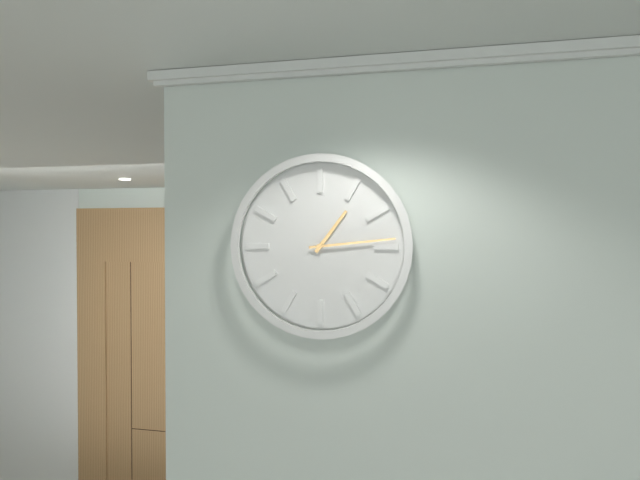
1:14
